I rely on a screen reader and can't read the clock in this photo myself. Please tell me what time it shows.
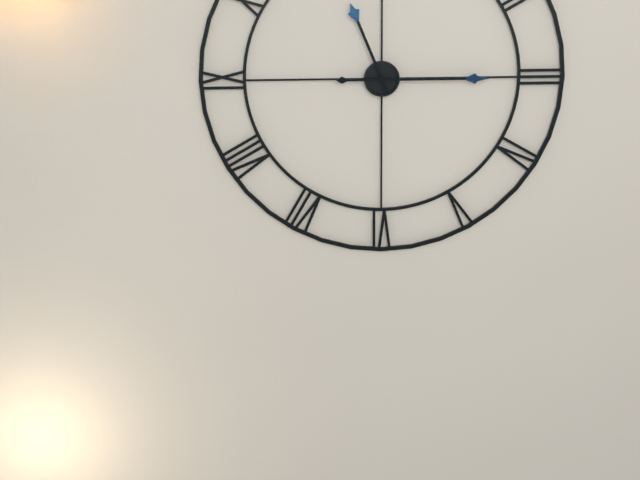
11:15
